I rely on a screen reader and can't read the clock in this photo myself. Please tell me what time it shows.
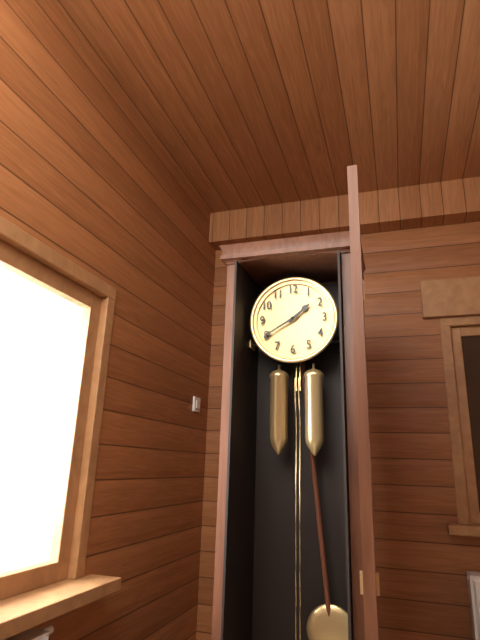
1:40
